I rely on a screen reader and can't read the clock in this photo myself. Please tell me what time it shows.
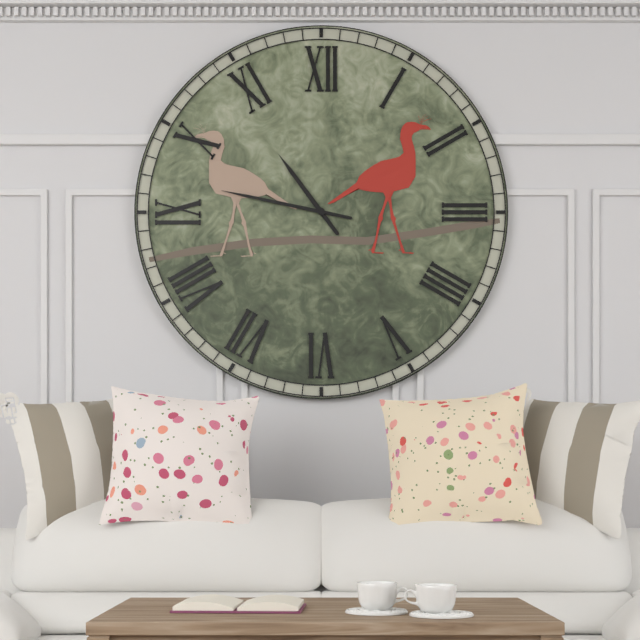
10:47
